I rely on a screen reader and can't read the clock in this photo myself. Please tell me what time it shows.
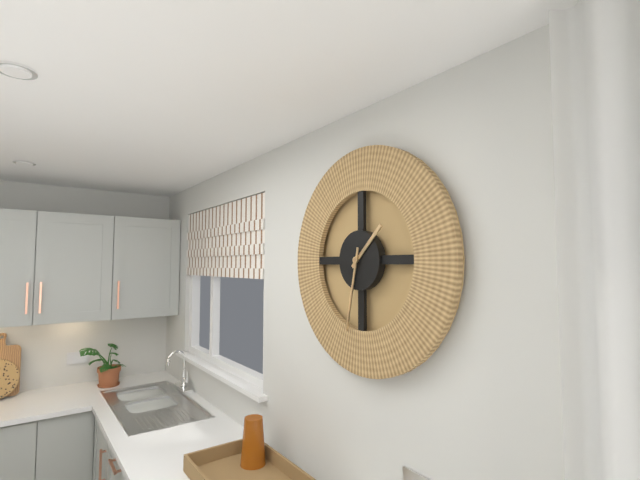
1:32
